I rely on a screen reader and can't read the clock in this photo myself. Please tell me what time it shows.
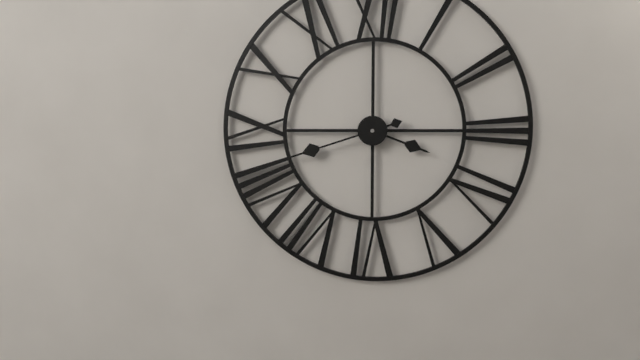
3:42
